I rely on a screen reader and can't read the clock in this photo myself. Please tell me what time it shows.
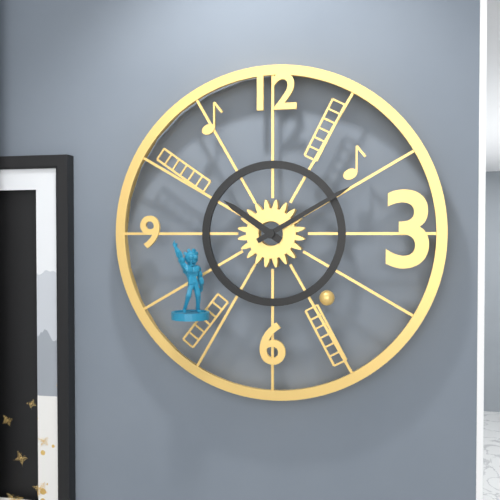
10:10
